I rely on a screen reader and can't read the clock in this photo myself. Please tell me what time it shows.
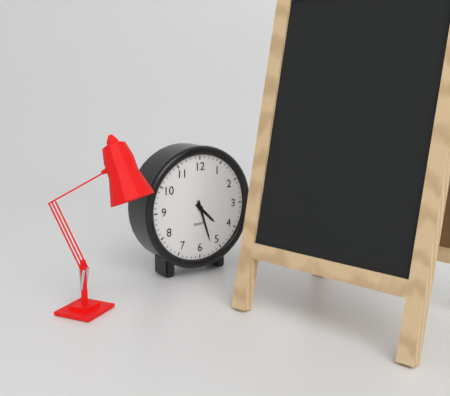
4:27
